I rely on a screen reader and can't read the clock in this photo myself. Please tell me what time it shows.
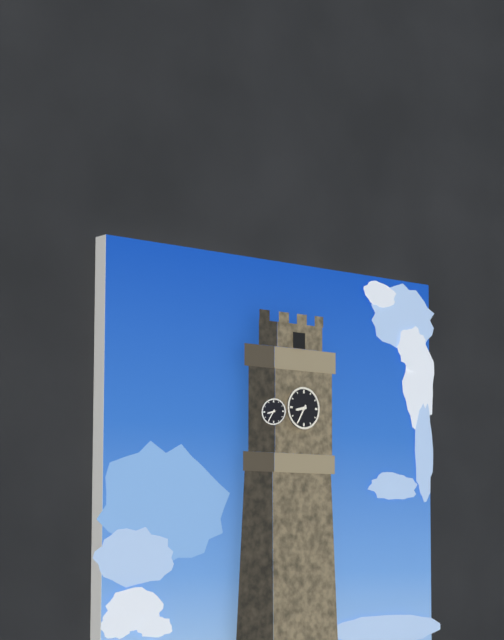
8:35
